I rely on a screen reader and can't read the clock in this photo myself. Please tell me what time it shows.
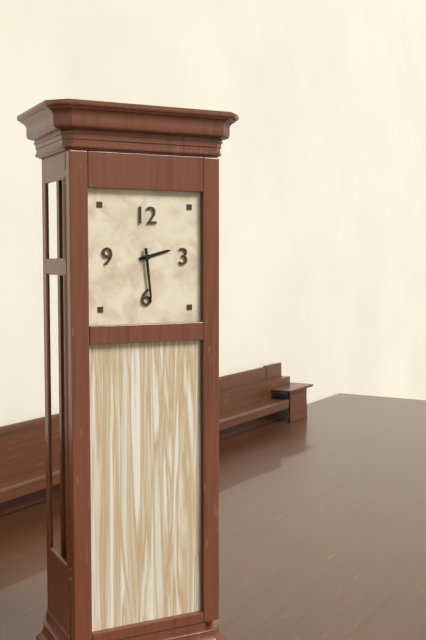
2:29
